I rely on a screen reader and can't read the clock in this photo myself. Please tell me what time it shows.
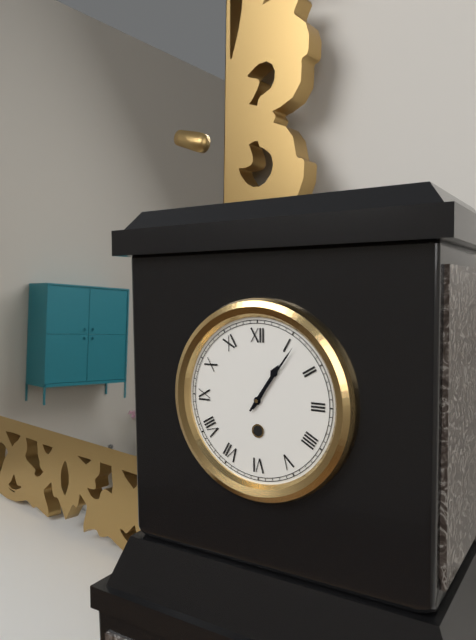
1:06
